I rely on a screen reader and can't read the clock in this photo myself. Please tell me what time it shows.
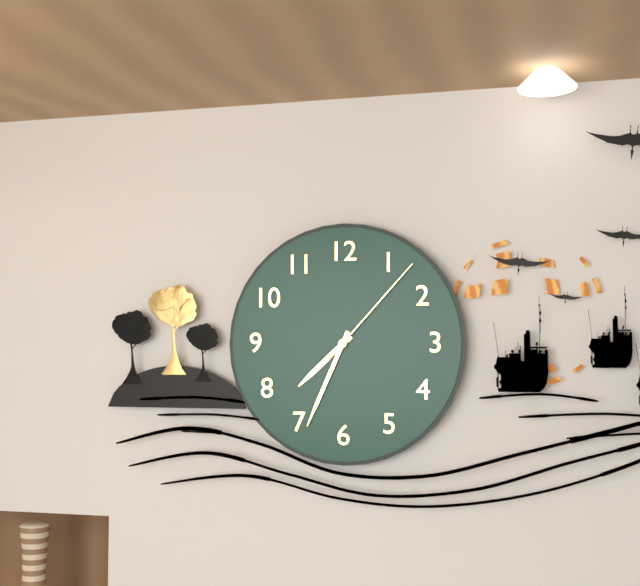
7:34:07
